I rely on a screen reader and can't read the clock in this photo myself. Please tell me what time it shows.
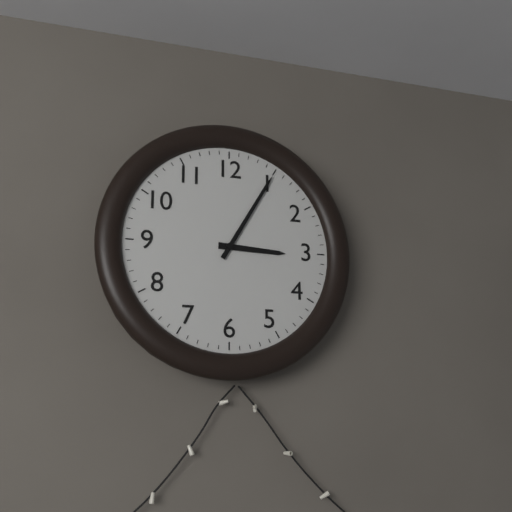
3:05
